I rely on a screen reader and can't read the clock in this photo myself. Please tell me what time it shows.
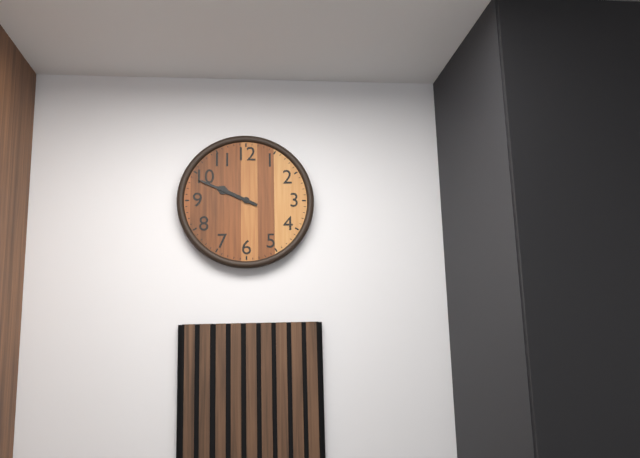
9:49
